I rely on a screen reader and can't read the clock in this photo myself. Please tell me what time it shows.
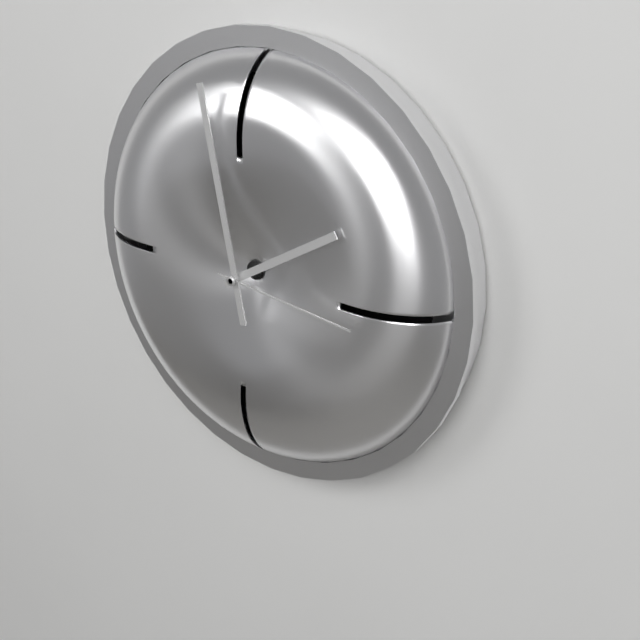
1:58:16
